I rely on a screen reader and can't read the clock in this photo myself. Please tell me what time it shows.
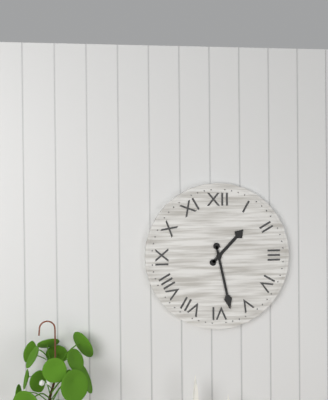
1:28
